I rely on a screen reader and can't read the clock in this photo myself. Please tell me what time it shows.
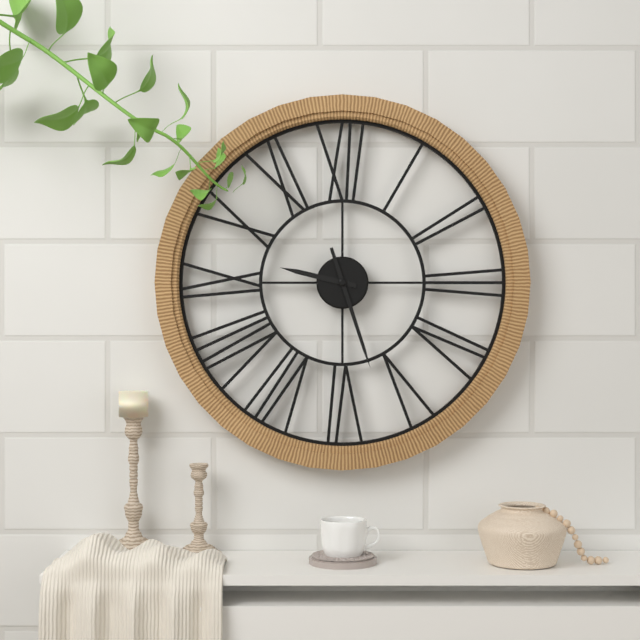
9:27
